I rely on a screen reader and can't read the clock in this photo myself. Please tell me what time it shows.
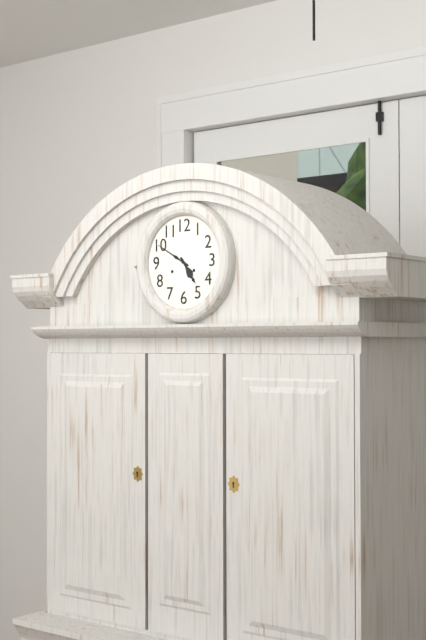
4:50
